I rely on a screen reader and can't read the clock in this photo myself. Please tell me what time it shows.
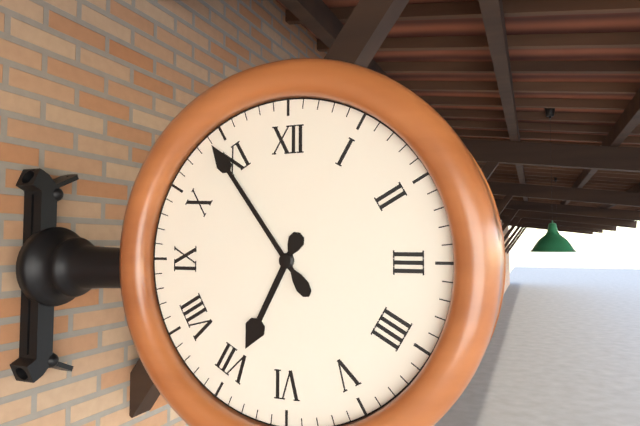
6:54
